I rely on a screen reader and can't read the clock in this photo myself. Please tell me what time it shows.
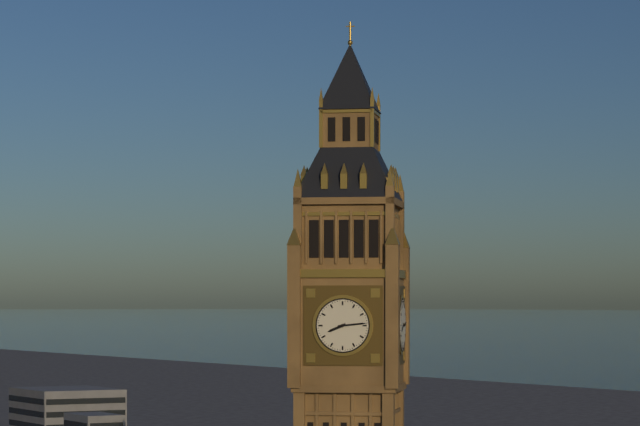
8:14
